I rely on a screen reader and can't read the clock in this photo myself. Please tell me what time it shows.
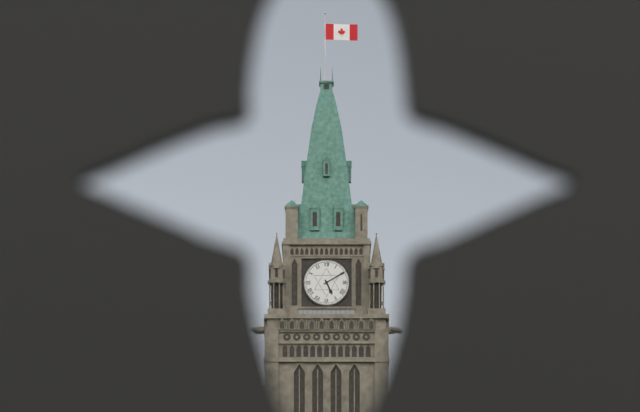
5:10
